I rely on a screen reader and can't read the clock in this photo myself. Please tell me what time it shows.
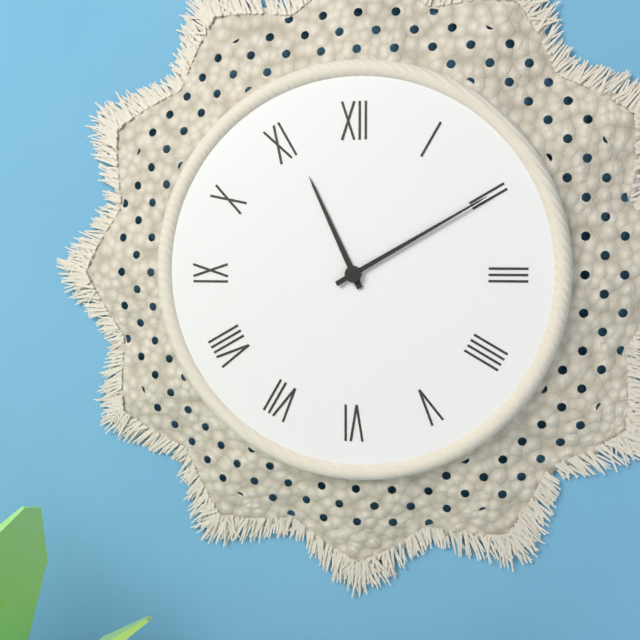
11:10
